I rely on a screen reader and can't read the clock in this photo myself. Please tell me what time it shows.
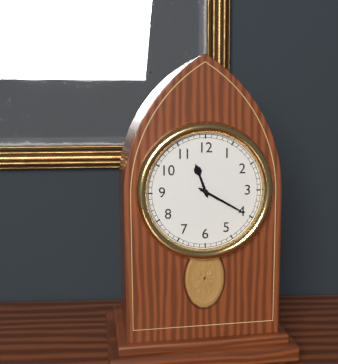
11:20
